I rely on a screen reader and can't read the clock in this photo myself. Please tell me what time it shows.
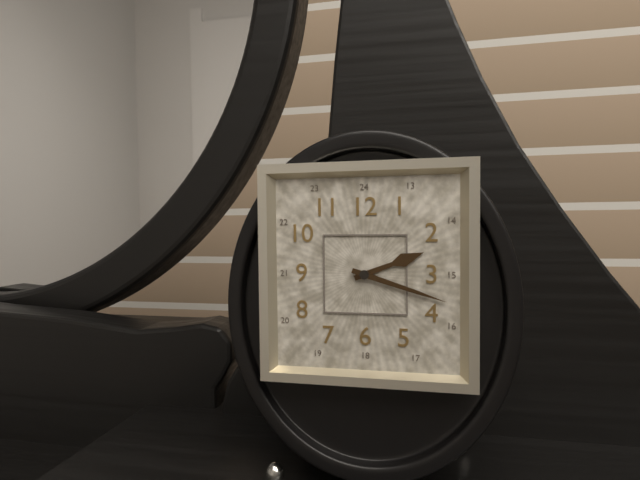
2:18
